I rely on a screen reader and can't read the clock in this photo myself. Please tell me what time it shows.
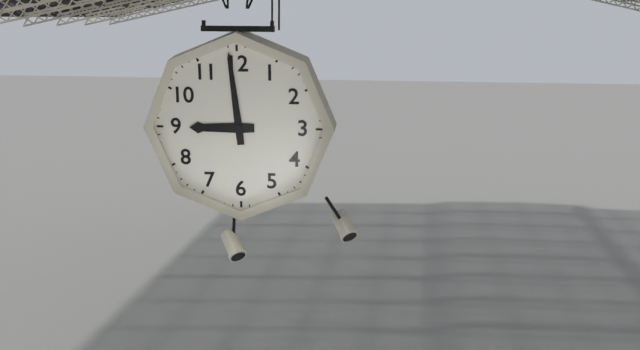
8:59
